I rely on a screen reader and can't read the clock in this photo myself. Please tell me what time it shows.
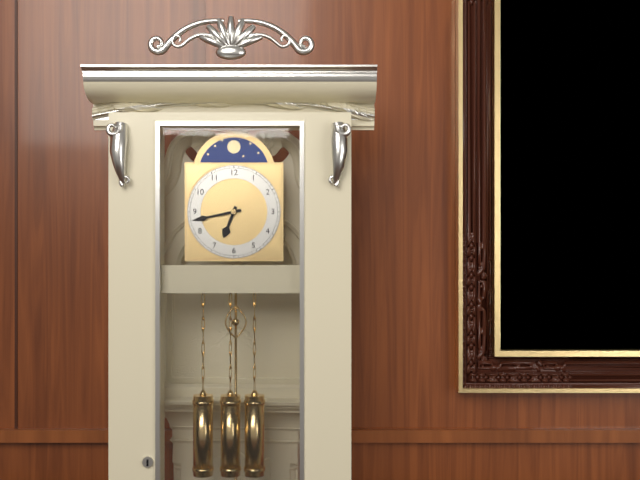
6:43
